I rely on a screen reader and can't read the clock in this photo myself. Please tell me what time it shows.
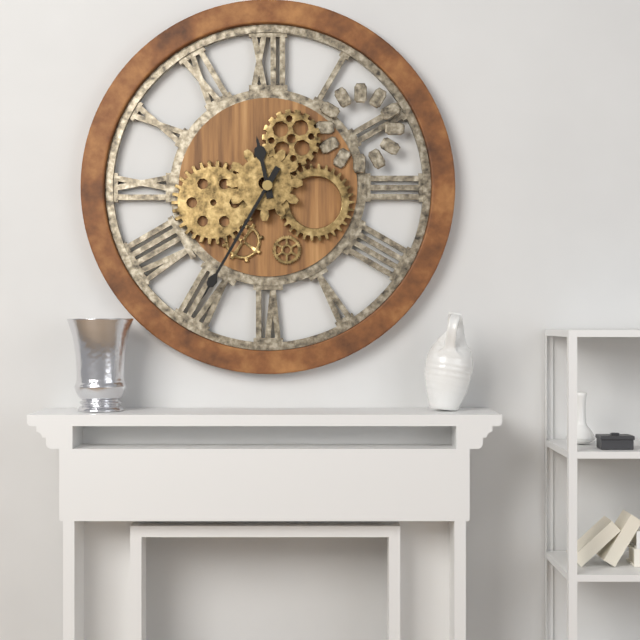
11:35
